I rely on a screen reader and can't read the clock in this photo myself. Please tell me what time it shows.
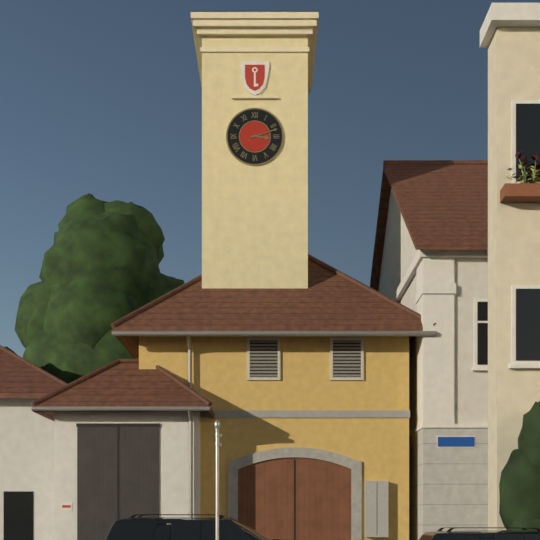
3:12
